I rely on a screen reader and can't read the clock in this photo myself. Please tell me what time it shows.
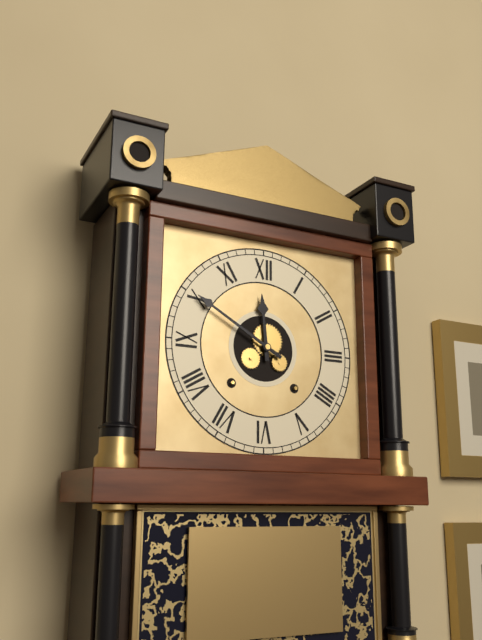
11:50
